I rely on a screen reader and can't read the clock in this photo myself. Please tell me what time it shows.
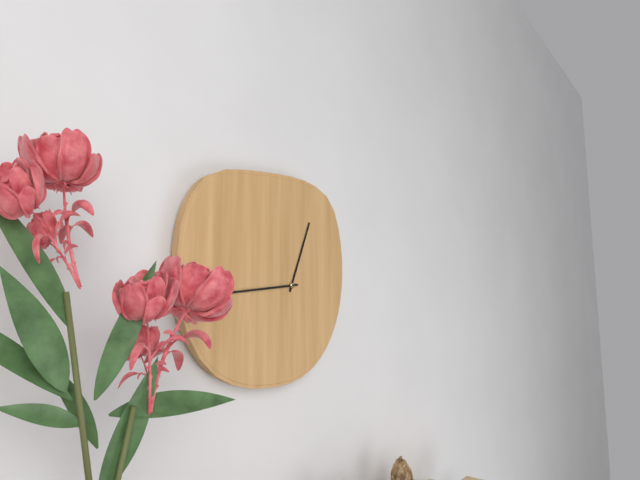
12:44
